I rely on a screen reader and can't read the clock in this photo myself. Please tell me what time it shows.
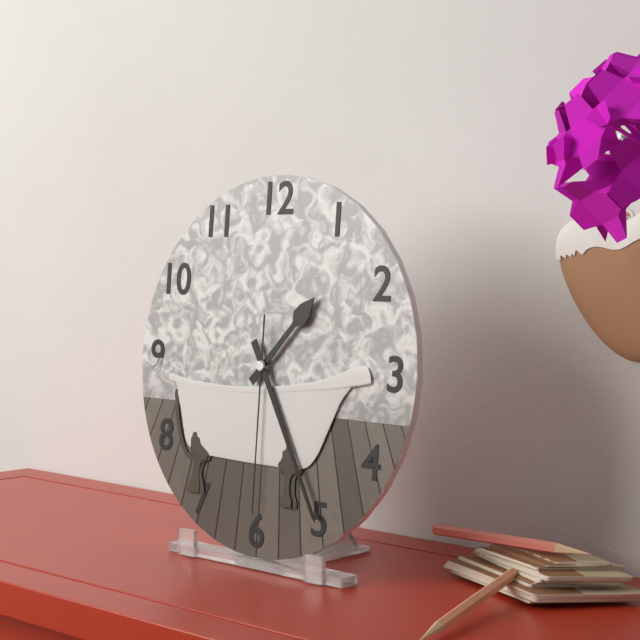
1:25:30
